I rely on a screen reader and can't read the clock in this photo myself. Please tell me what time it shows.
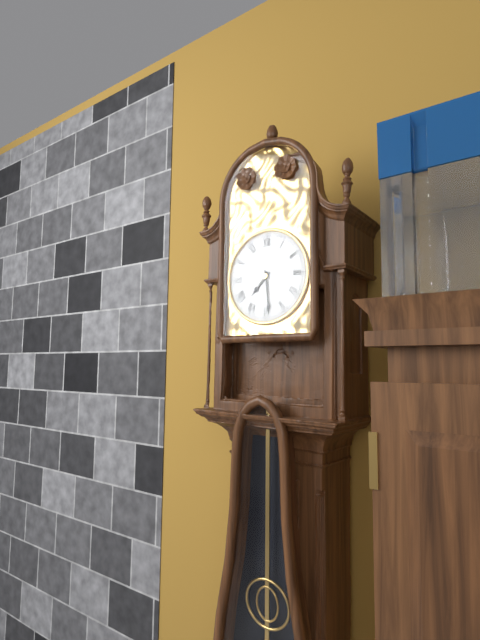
7:29
